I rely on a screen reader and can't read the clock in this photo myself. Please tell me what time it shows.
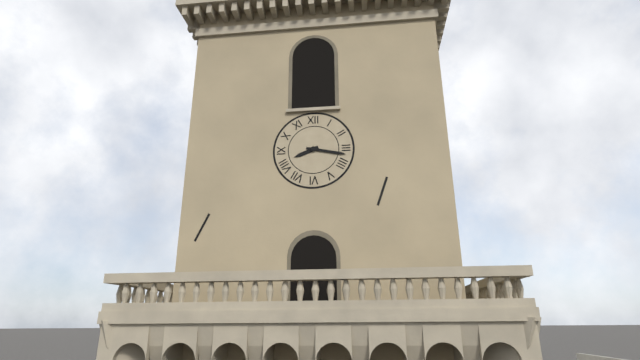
8:17
